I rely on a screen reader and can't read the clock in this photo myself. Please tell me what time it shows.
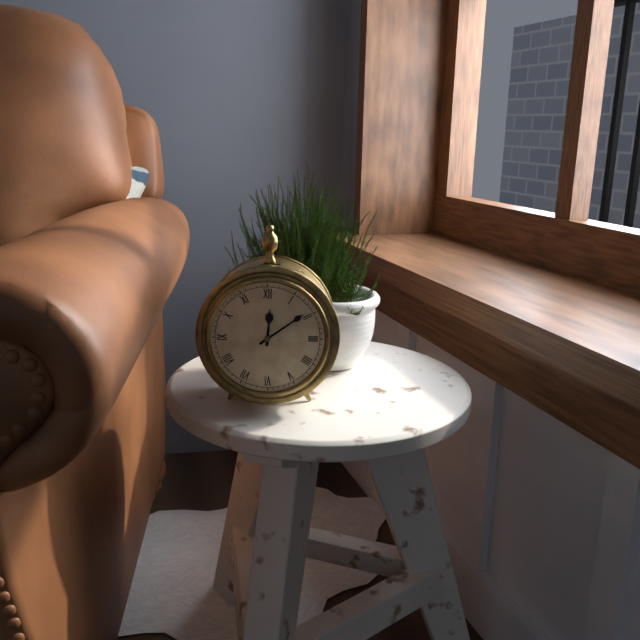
12:09
